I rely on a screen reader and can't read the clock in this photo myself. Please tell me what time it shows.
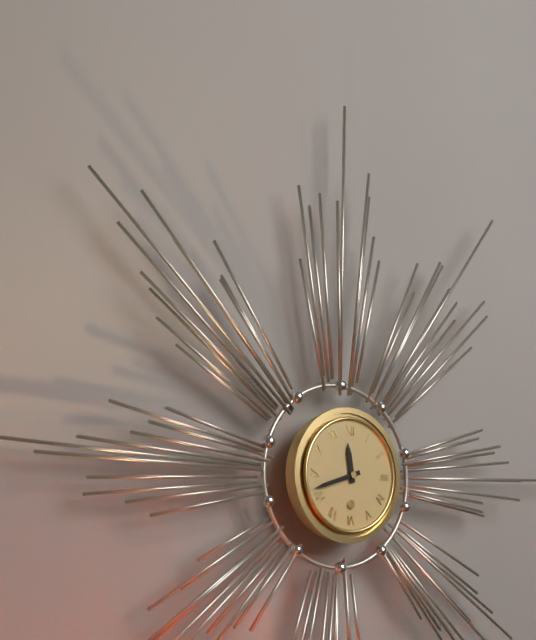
11:42
